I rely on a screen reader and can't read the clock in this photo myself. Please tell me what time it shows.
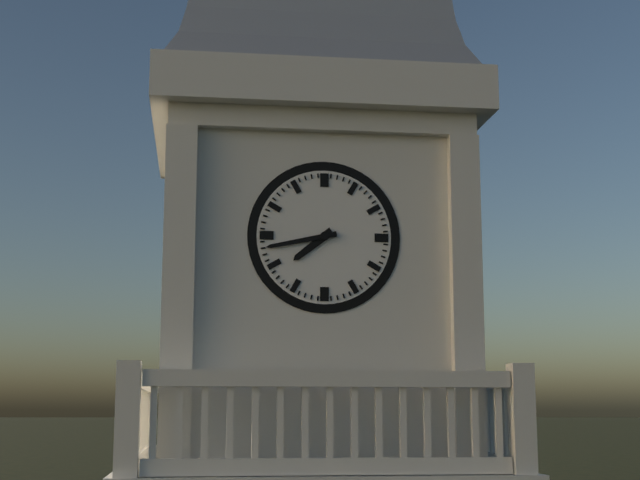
7:43
